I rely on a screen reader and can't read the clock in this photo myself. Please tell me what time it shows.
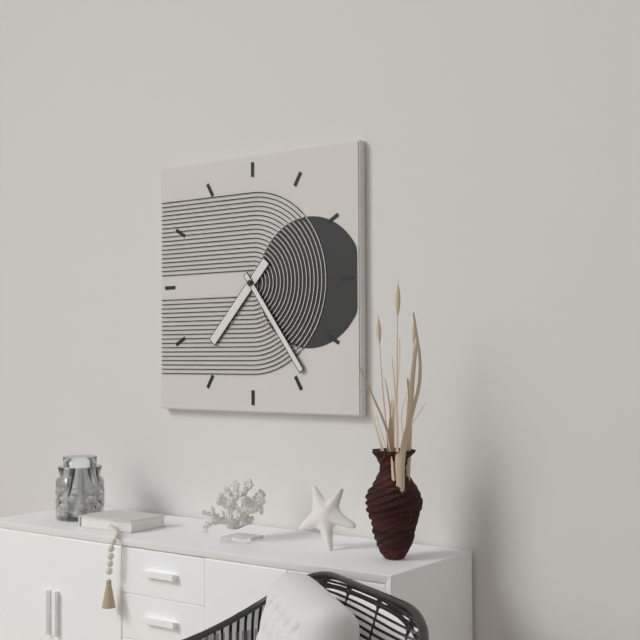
7:24
